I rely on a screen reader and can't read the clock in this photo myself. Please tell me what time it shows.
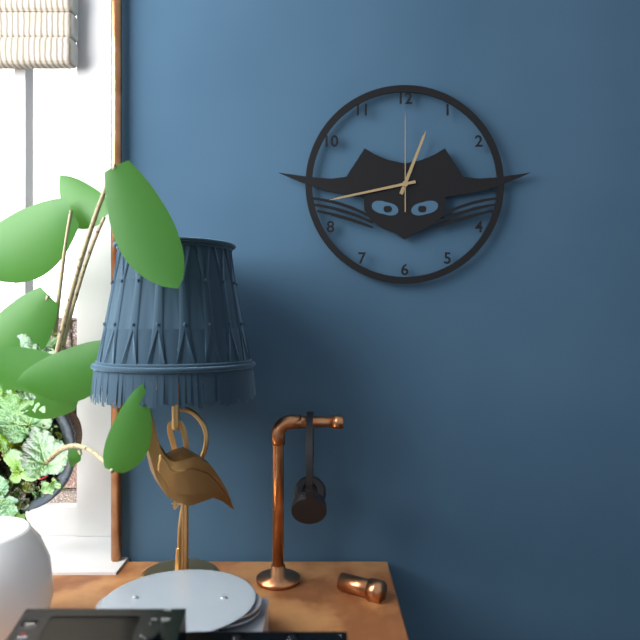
12:43:00
